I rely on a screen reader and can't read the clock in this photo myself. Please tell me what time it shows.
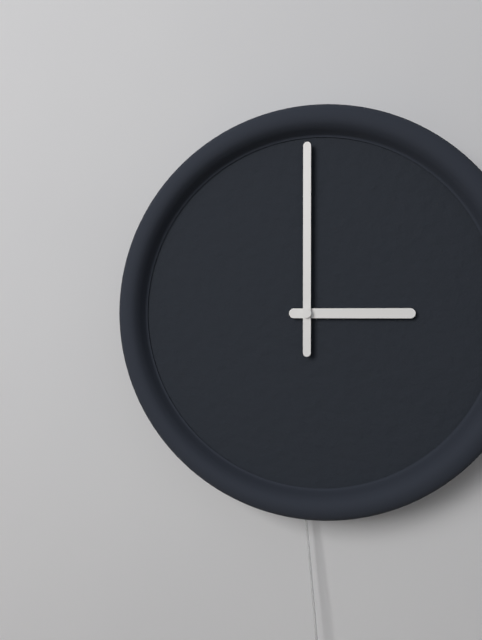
3:00
